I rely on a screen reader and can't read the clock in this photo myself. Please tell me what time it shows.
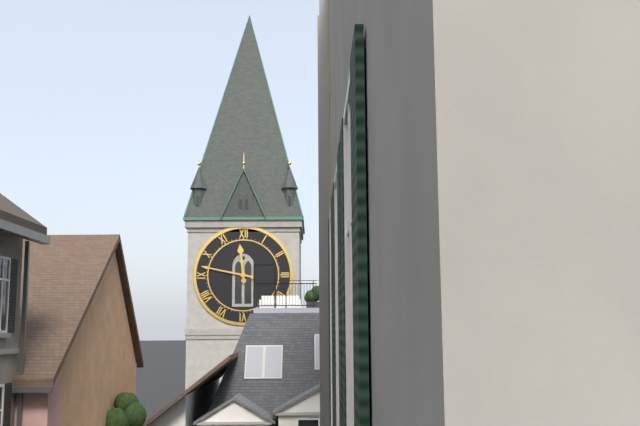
11:47
